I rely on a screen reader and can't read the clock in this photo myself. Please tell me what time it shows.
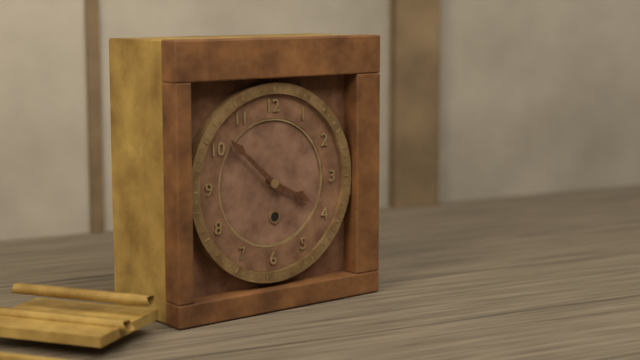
3:52
